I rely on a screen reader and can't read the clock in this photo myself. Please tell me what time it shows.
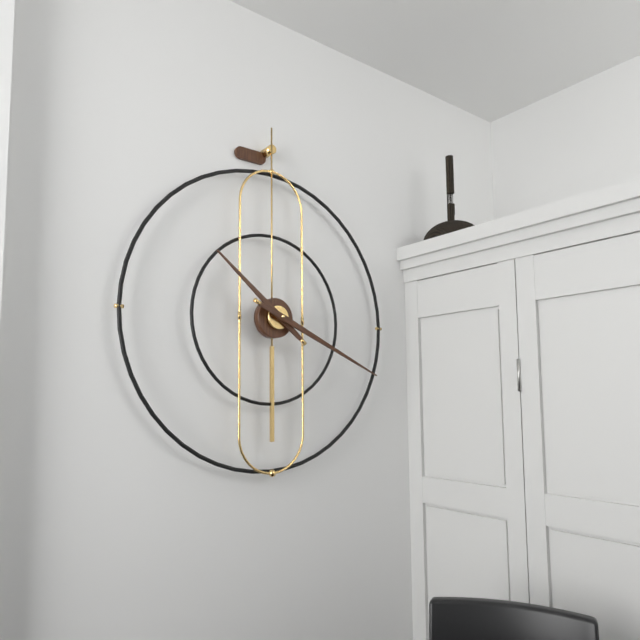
10:19
